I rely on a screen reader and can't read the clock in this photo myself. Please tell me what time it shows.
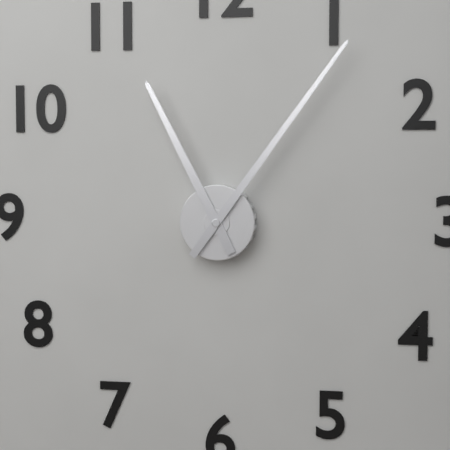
11:06
